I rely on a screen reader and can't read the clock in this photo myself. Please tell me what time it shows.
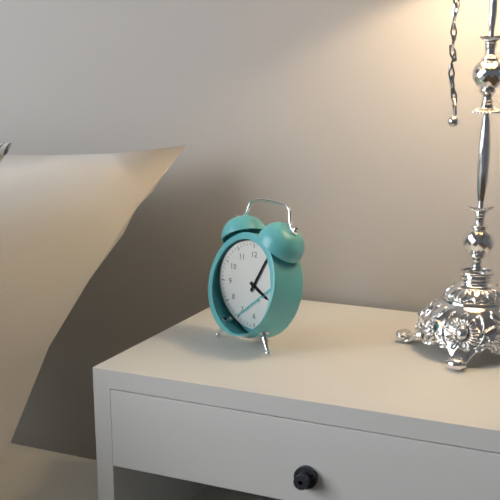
4:05
